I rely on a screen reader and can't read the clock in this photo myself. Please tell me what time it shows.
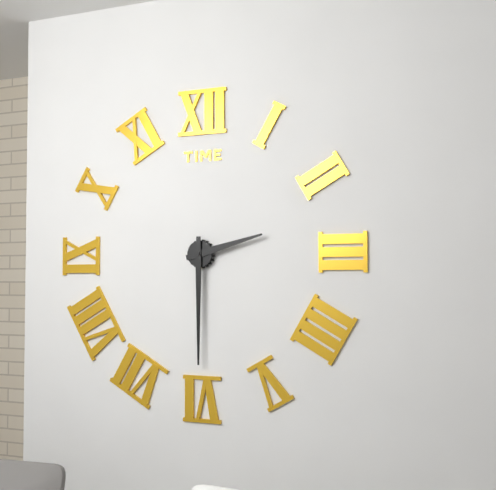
2:30
